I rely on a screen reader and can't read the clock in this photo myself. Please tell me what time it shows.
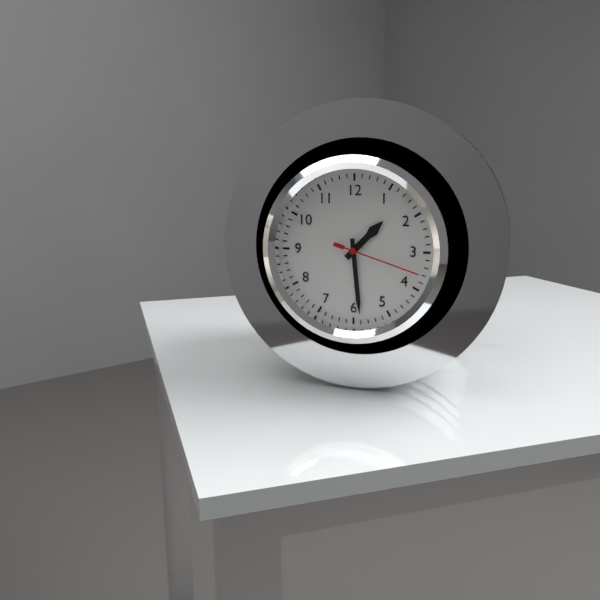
1:29:18
